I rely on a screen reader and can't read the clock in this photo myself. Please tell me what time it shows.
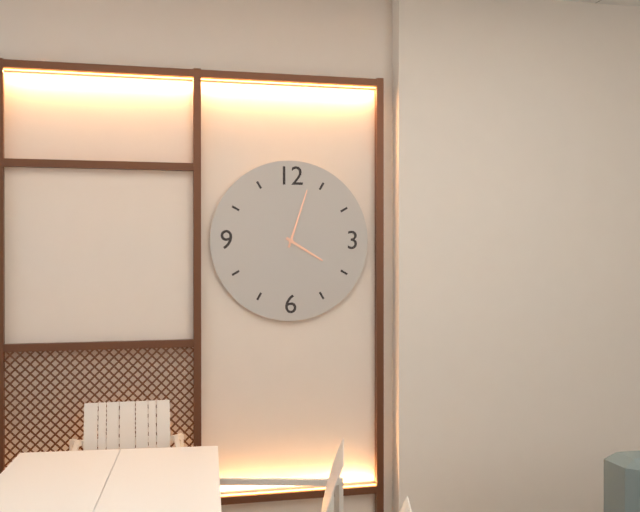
4:03
